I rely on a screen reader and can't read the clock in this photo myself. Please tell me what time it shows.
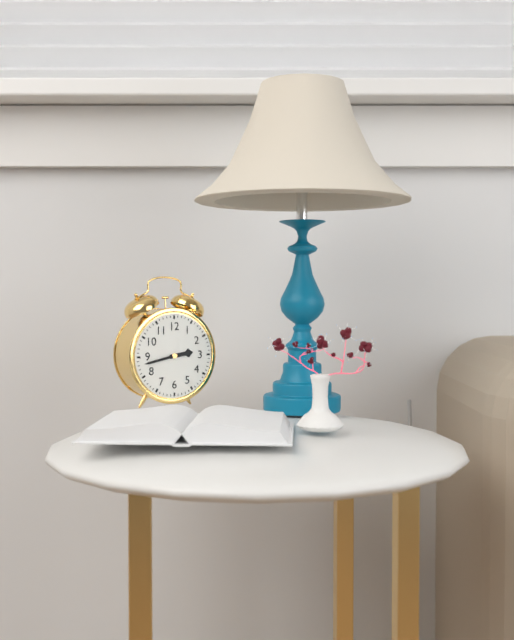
2:43
